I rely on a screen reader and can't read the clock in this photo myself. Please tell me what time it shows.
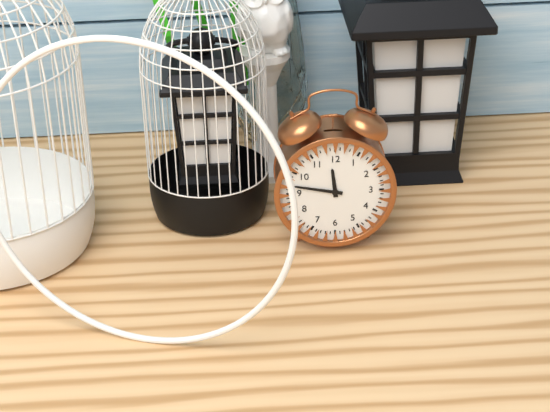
11:47
